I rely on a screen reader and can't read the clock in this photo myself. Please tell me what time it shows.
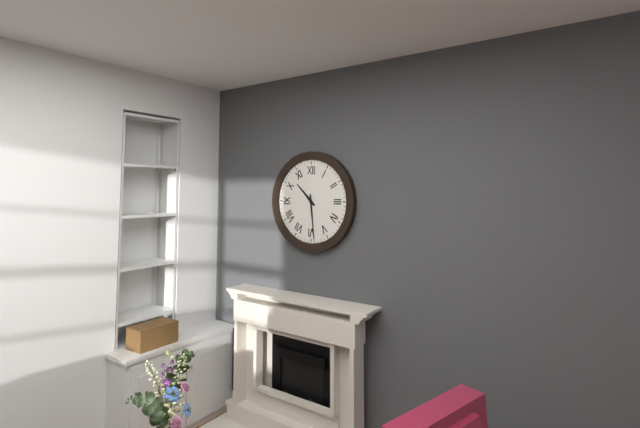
10:29
